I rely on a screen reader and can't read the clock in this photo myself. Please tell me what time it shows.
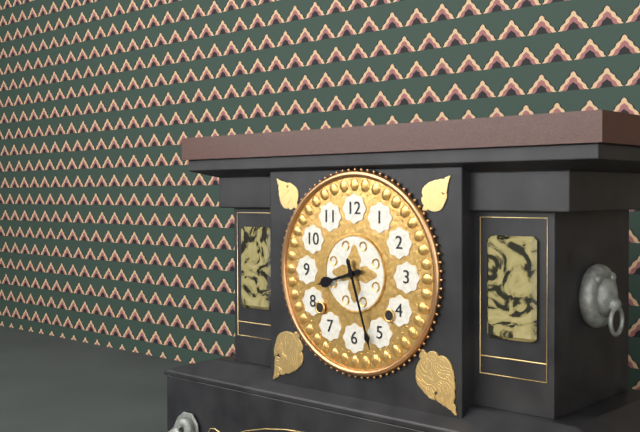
8:27
